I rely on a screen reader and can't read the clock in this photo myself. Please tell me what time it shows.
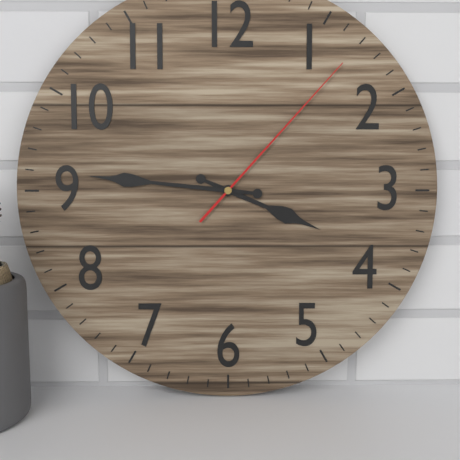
3:46:07
